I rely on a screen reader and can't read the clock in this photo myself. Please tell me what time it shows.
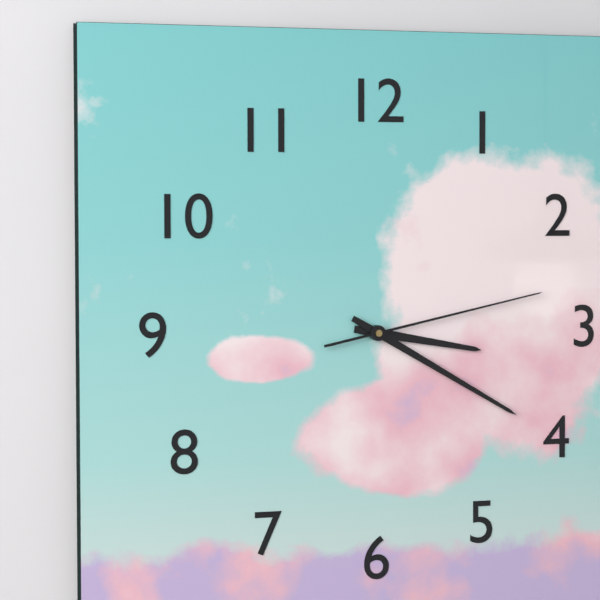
3:20:13
